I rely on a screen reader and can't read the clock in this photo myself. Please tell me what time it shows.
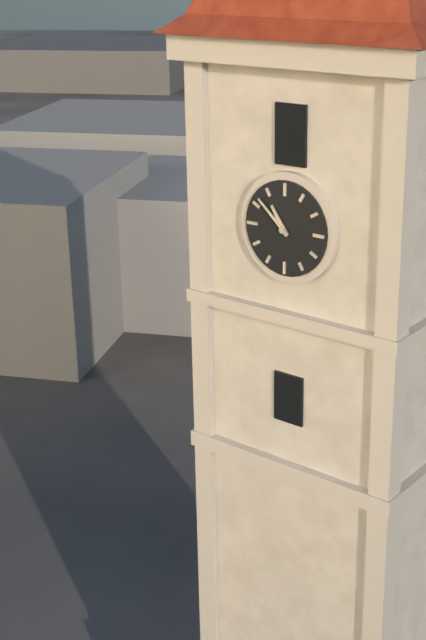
10:52
